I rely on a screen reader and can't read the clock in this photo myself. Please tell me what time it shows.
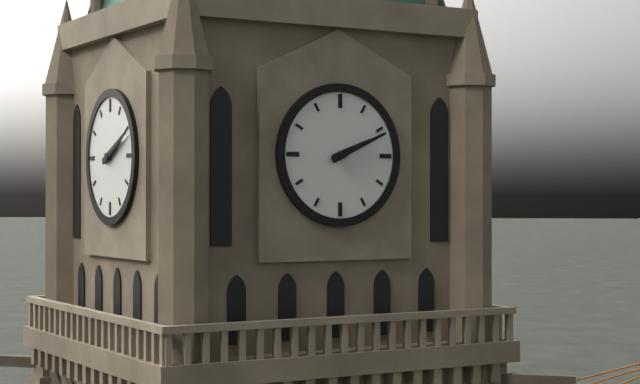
2:11
